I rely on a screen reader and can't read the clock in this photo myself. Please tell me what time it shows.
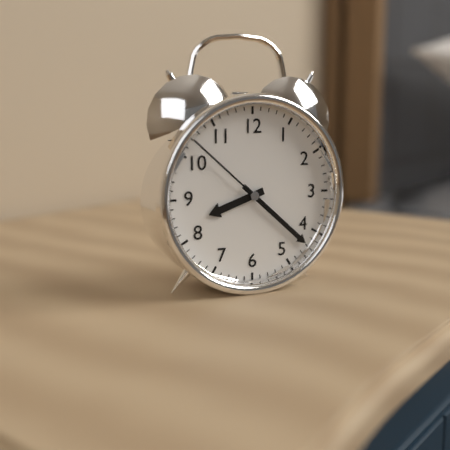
8:22:52
